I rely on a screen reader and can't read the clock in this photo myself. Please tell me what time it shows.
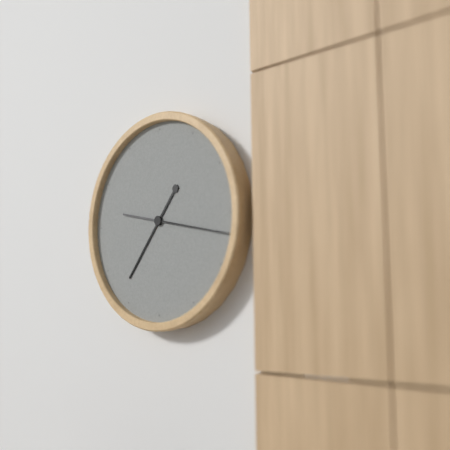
7:17
